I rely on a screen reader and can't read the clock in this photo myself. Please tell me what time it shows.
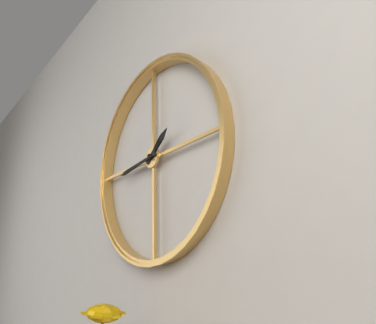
1:44
